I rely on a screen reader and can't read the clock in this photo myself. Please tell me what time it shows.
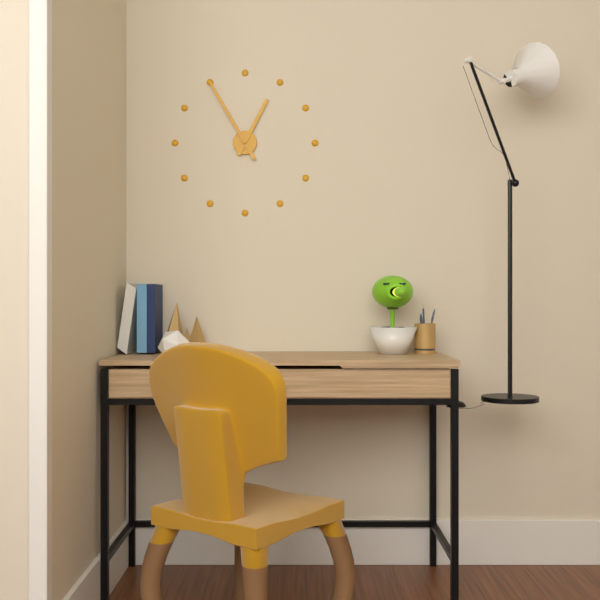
12:55
